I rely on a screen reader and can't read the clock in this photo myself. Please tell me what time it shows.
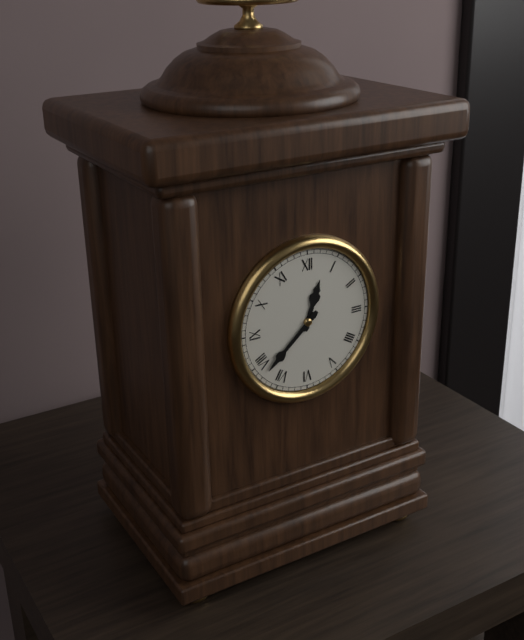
12:38
